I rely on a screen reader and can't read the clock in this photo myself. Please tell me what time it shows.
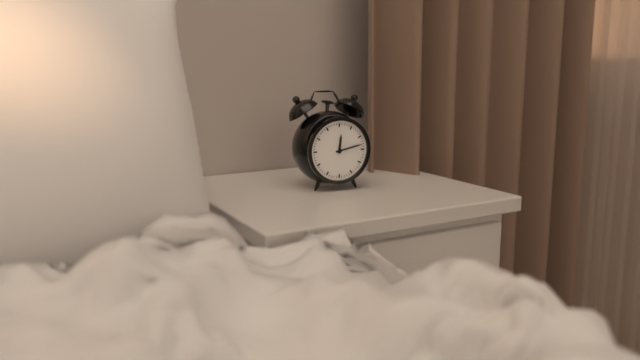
12:13
